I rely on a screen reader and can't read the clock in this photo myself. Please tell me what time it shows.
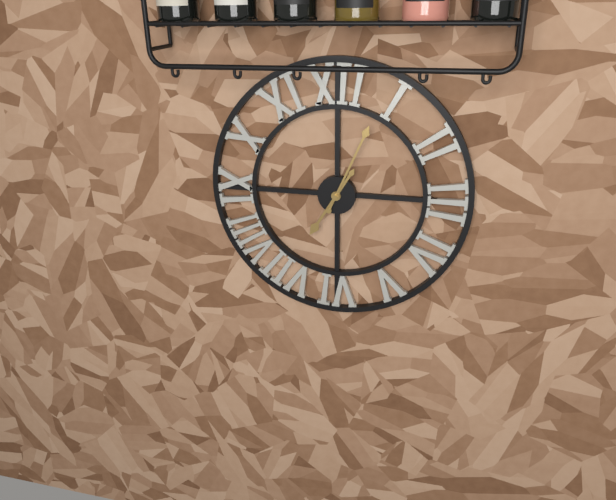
7:04
